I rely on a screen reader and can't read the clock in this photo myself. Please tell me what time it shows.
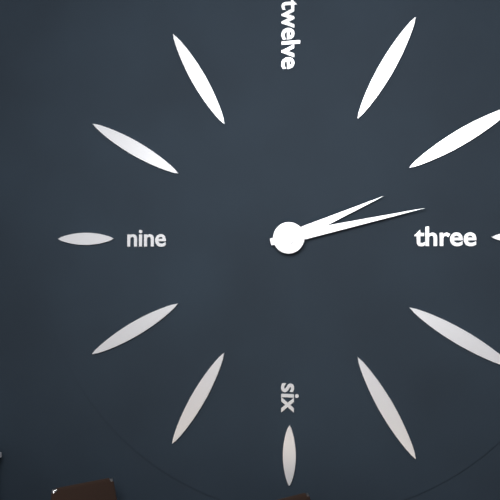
2:13
